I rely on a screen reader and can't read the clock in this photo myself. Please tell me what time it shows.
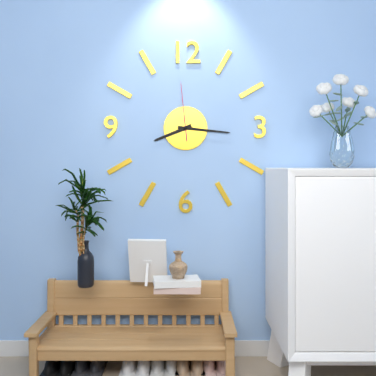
8:16:59
